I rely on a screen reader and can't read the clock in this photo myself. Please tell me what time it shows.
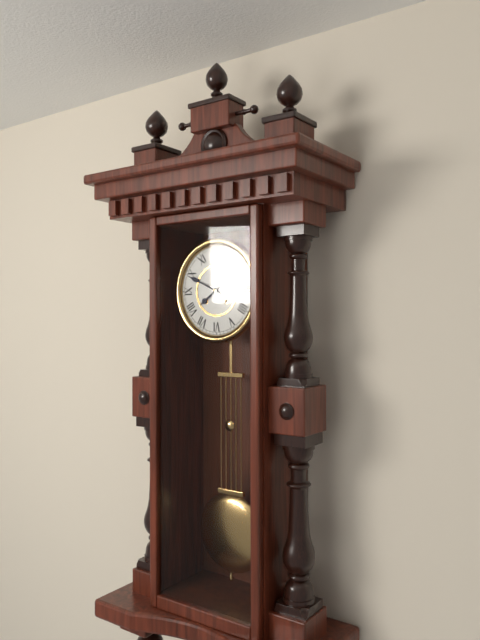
7:49
